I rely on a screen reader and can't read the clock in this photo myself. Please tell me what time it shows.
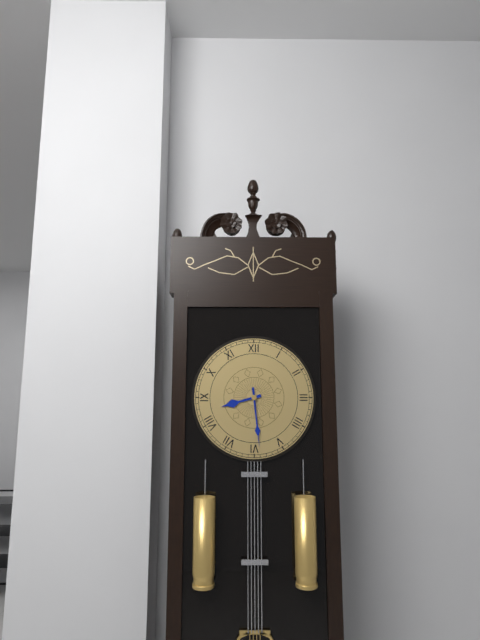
8:29
